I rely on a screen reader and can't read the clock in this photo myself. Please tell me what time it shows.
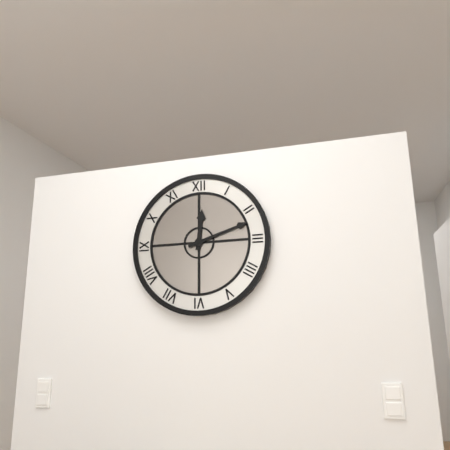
12:12
